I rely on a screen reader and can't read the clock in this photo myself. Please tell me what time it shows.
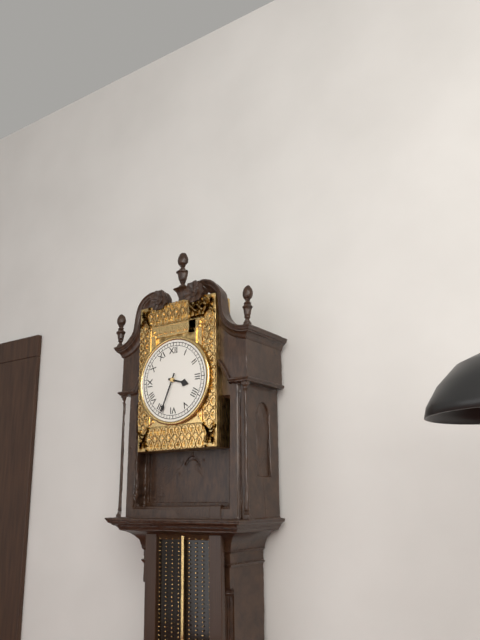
3:34
